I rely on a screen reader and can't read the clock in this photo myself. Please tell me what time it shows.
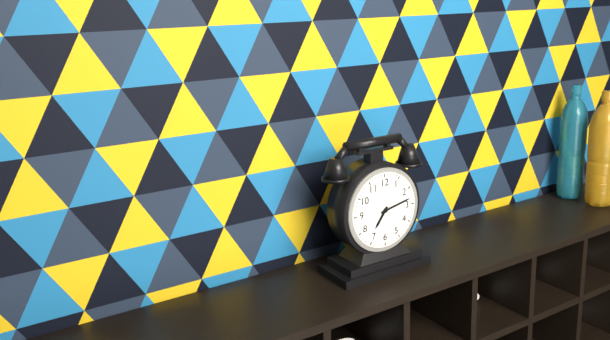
7:13
